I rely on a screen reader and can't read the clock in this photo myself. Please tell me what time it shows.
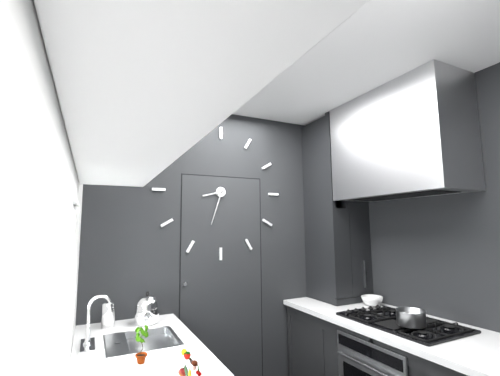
8:33
